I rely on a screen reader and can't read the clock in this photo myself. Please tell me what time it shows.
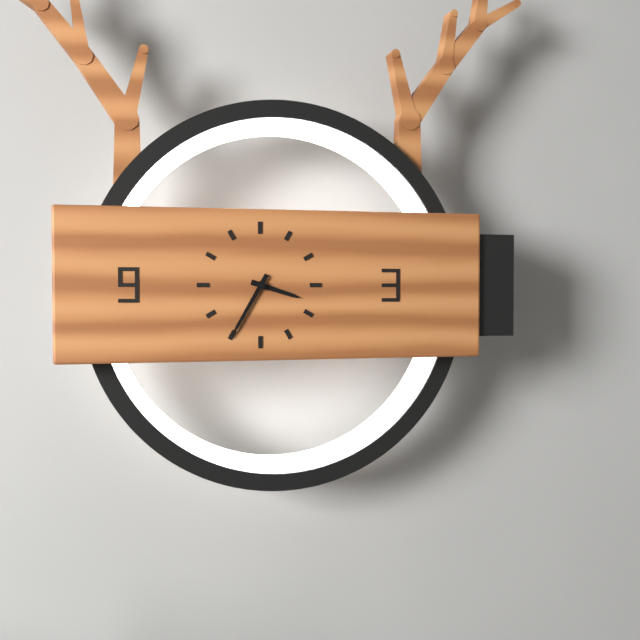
3:35
